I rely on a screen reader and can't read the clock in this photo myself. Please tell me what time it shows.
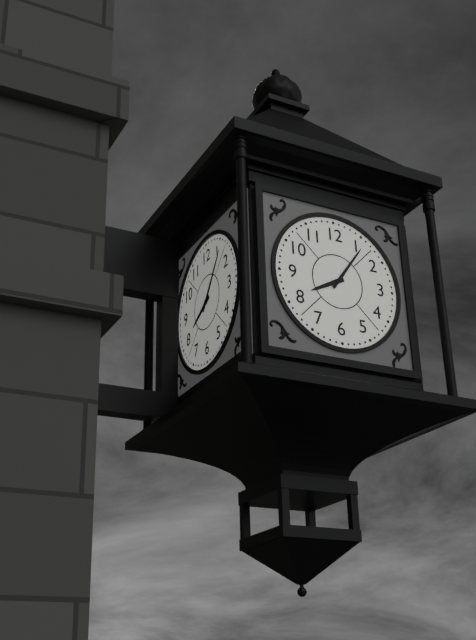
8:06
